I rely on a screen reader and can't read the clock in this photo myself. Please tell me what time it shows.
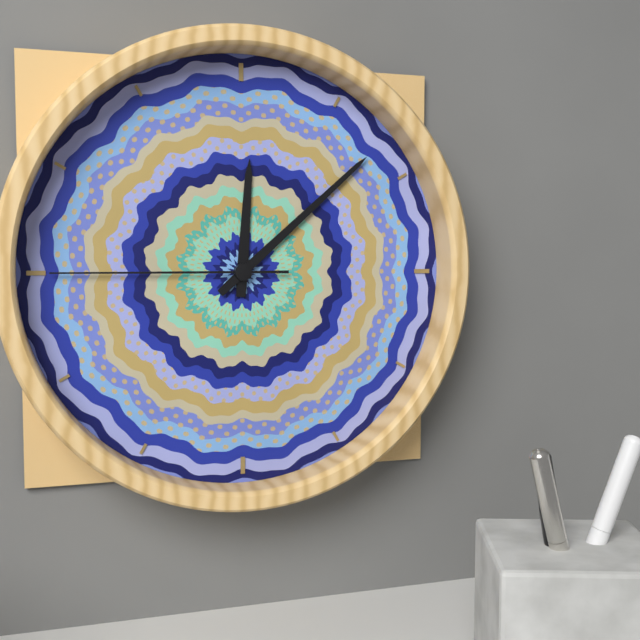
12:08:45
